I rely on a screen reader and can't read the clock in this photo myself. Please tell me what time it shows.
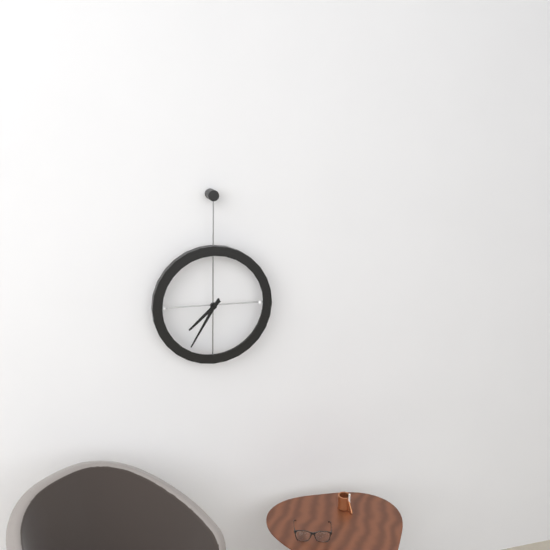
7:35
